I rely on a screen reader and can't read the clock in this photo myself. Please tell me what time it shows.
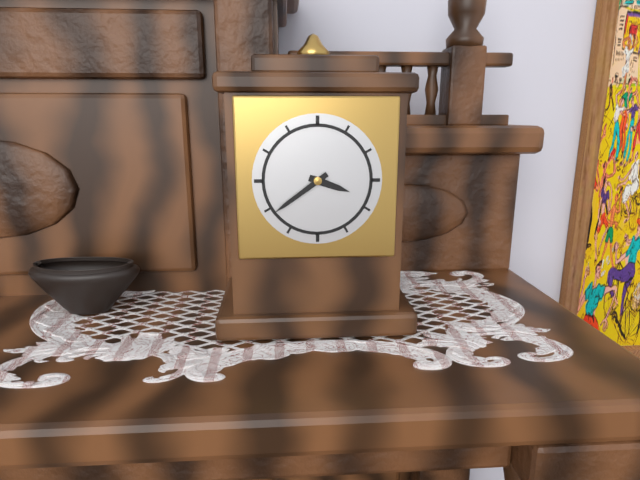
3:39
